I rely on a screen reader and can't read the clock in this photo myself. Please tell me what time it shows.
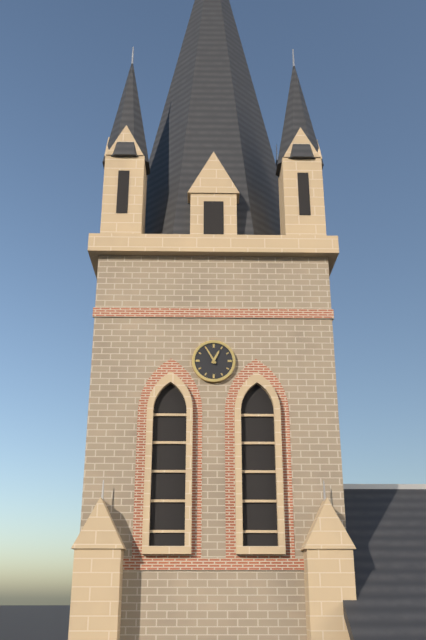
12:55
